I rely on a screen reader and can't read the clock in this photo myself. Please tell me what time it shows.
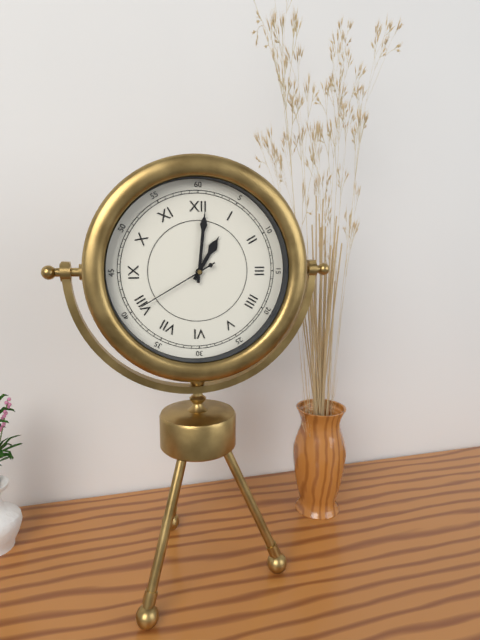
1:01:40
